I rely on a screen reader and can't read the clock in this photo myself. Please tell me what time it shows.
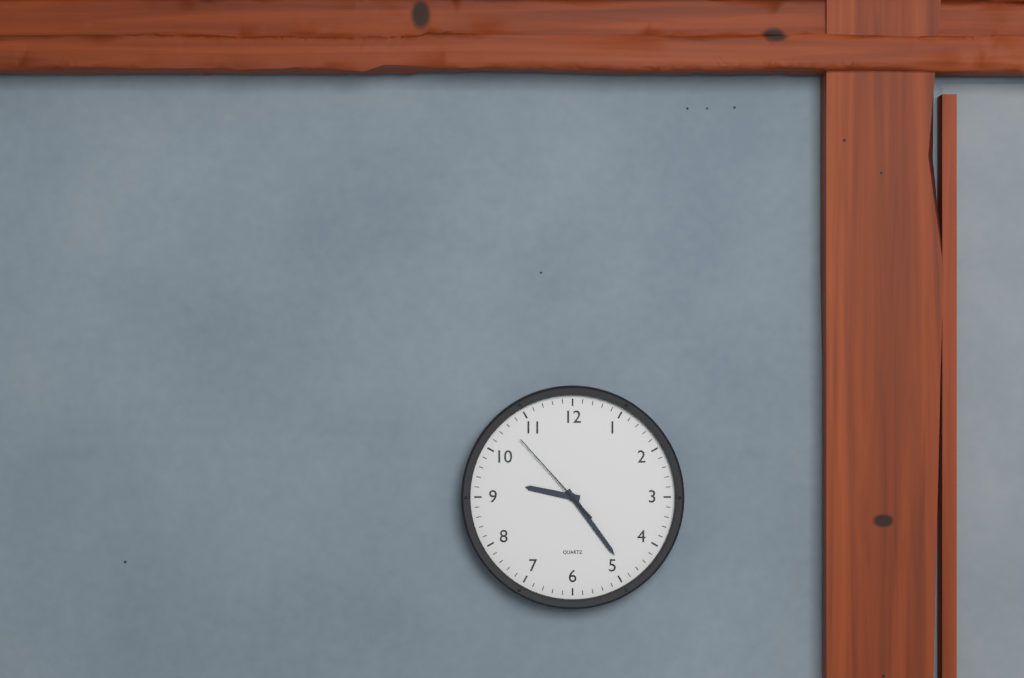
9:24:53
